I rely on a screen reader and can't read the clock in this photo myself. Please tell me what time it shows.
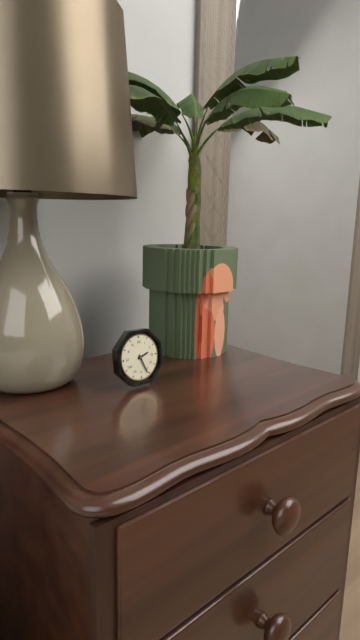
2:26
